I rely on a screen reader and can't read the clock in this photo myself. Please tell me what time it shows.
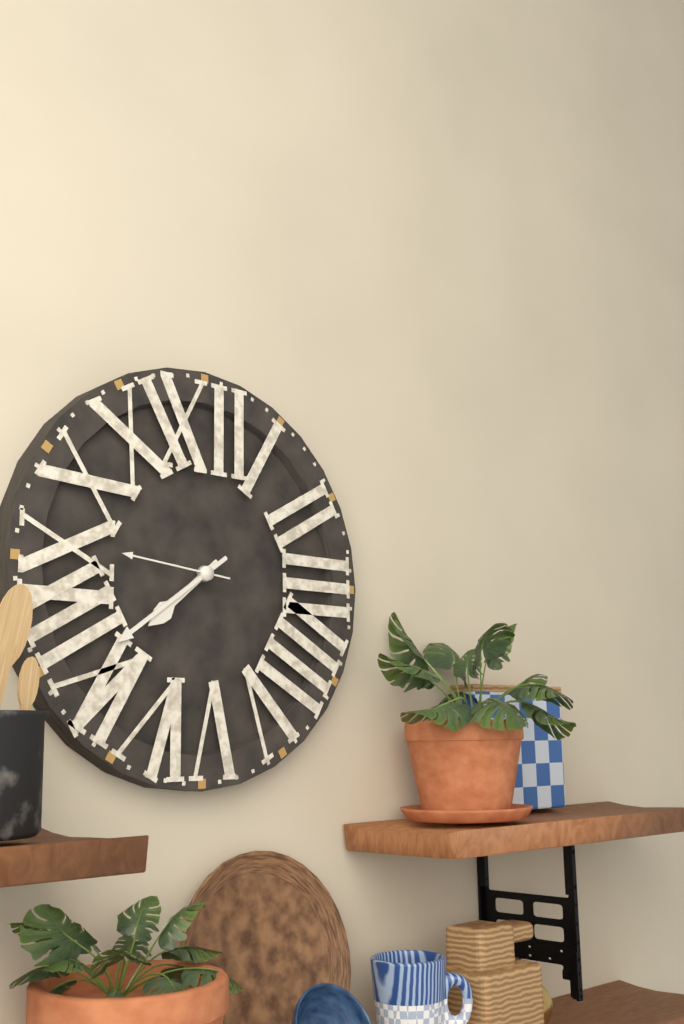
7:39:46
